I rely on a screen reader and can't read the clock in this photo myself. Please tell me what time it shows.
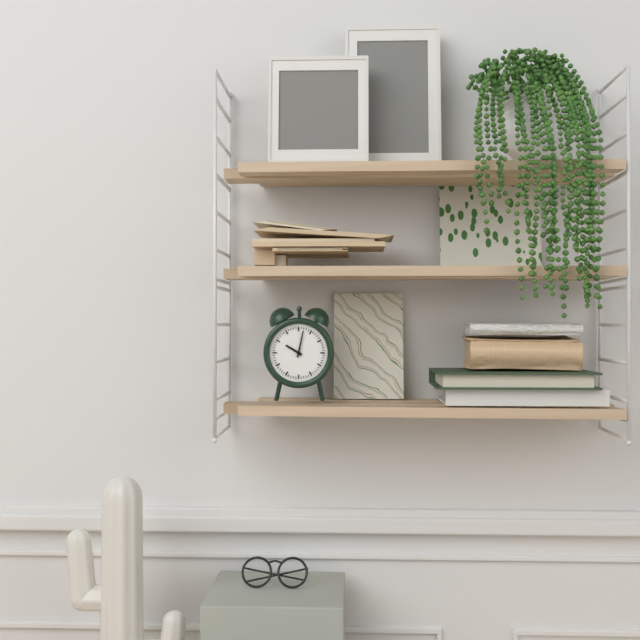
10:02
